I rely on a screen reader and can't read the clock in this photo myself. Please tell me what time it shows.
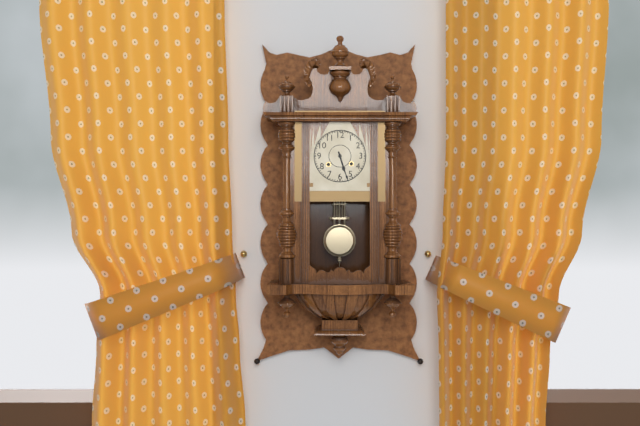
5:27
